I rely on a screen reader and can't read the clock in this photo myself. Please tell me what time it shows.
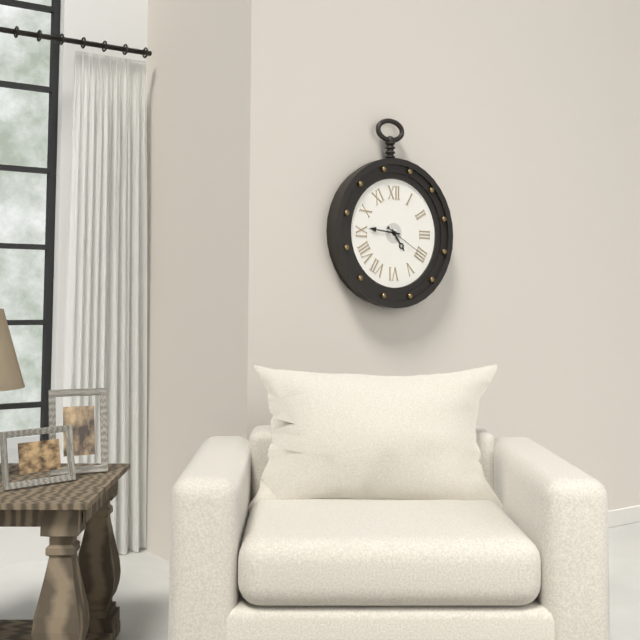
4:46
